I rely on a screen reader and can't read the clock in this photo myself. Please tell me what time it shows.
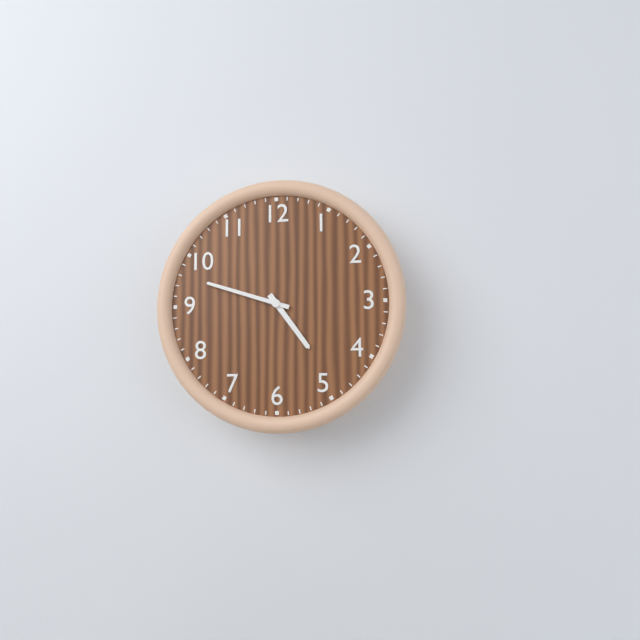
4:48
